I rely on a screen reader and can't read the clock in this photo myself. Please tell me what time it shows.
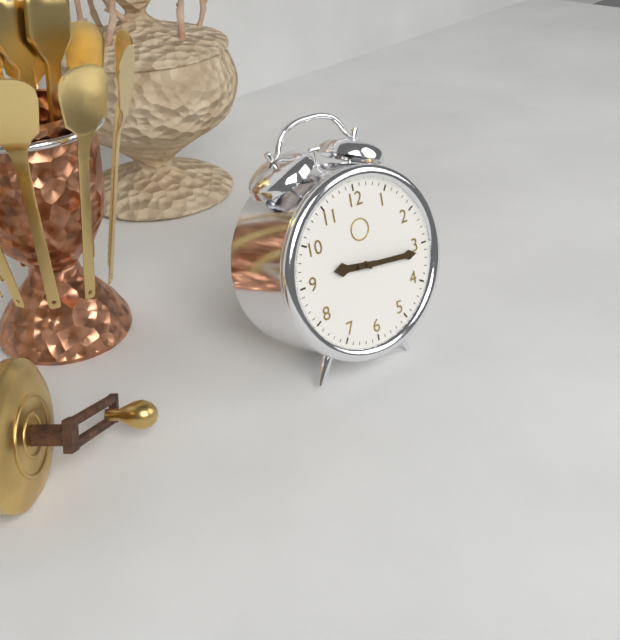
9:16
